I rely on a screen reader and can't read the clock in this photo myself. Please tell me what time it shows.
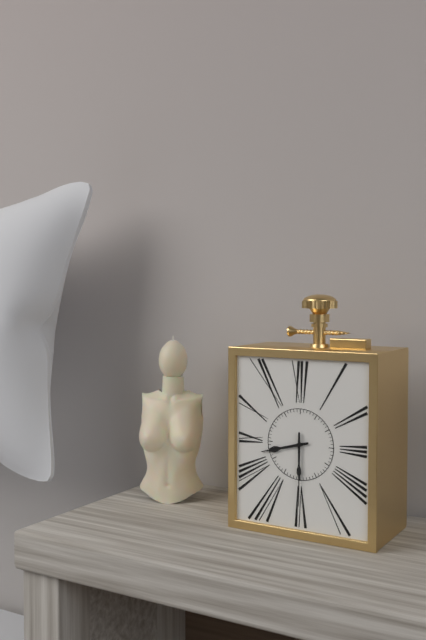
8:30
